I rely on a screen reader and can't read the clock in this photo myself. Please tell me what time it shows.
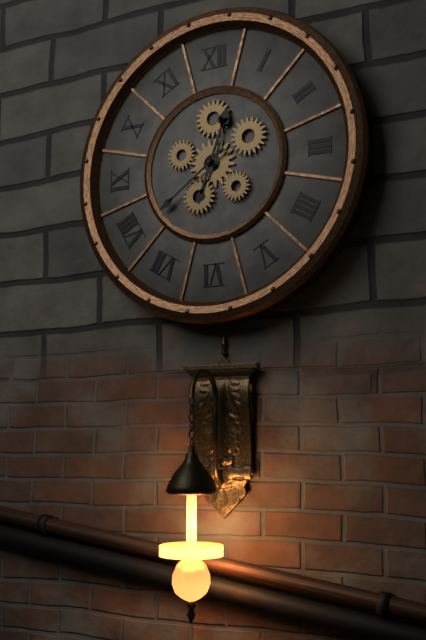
12:39
